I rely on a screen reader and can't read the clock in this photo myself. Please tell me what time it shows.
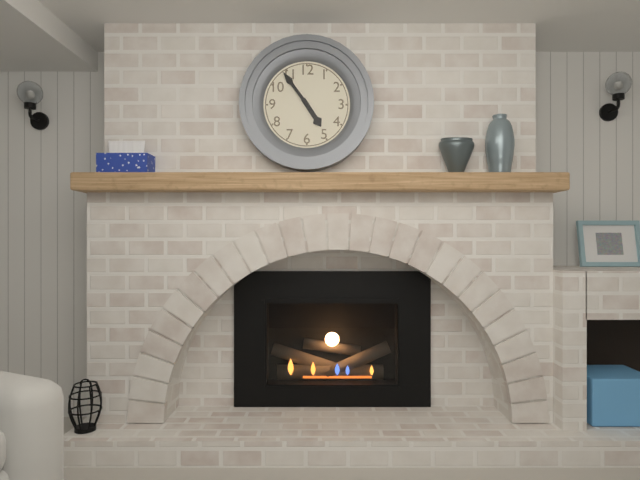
4:54
